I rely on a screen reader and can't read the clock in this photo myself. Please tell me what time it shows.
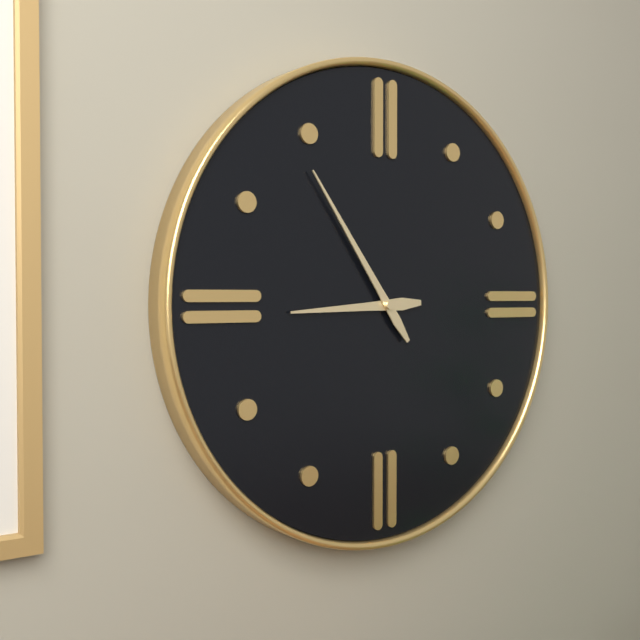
8:54
